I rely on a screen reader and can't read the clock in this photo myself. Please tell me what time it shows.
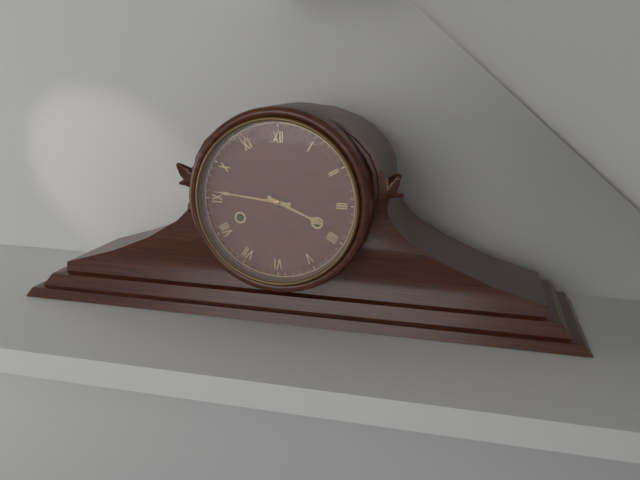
3:46
